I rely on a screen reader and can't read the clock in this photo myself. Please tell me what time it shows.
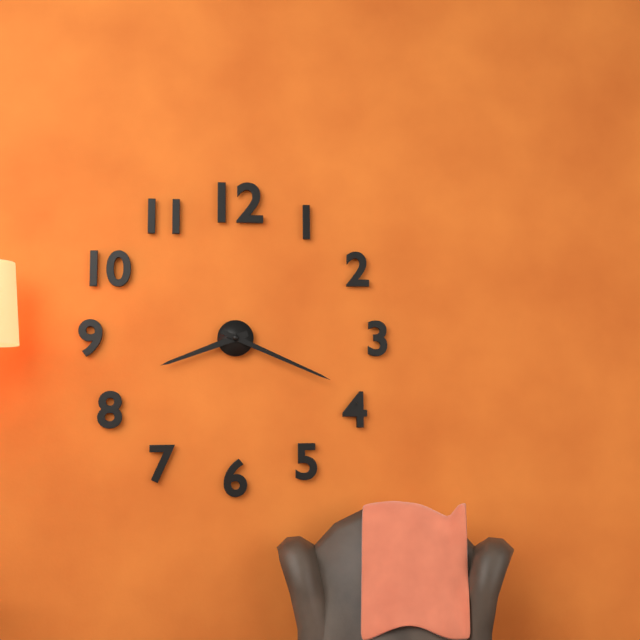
8:19
